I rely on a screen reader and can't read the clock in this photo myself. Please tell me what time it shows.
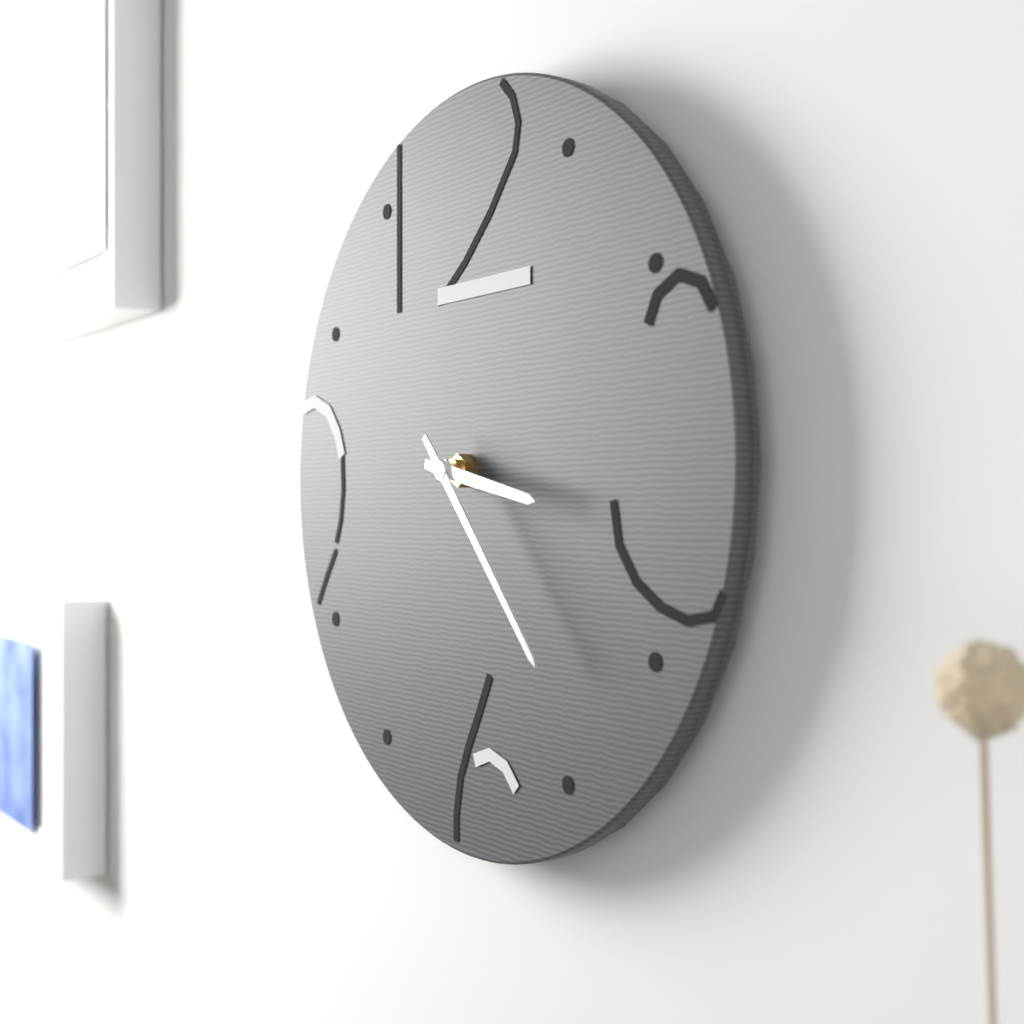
3:23
